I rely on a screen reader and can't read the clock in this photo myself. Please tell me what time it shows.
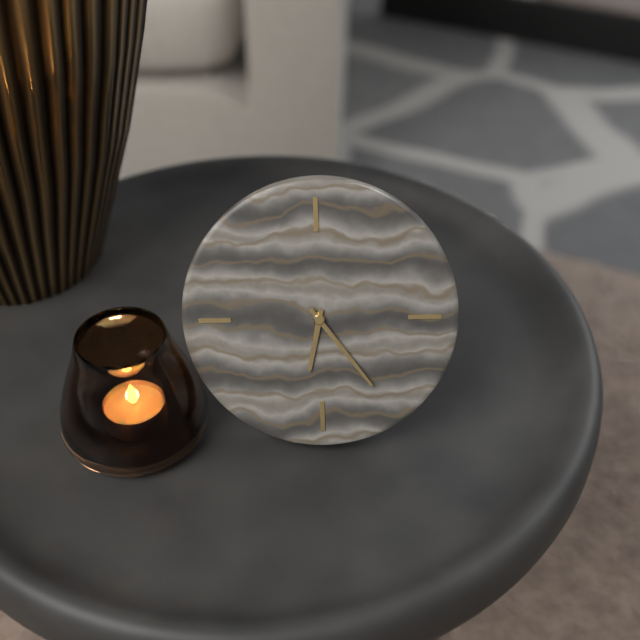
6:24
